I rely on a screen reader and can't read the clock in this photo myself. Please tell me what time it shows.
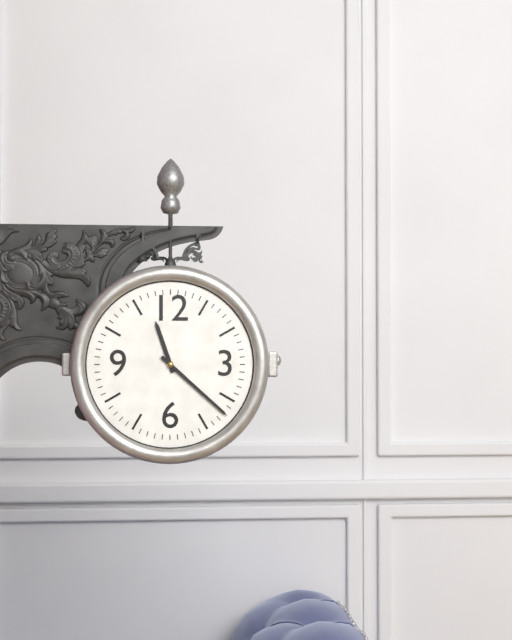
11:22
